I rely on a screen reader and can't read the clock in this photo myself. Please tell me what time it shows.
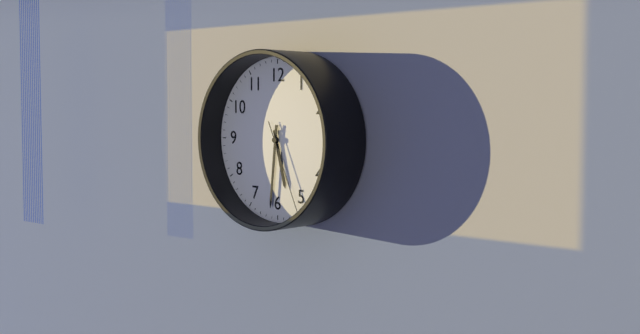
5:31:26
